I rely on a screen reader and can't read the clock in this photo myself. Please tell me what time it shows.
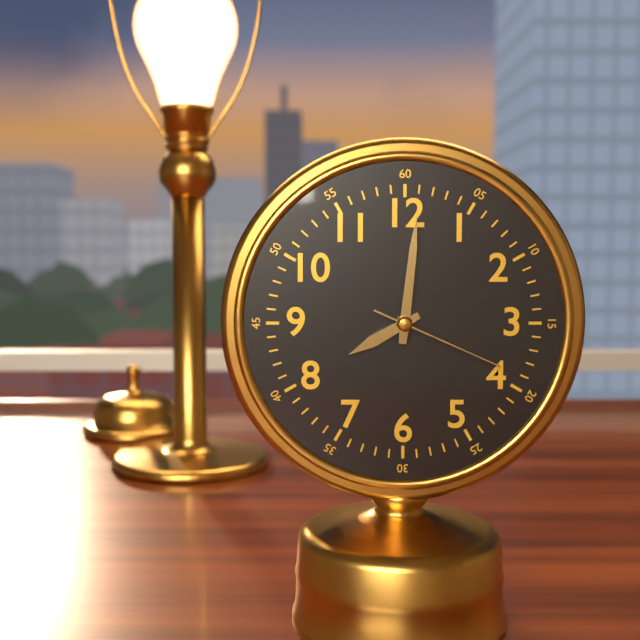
8:01:19
